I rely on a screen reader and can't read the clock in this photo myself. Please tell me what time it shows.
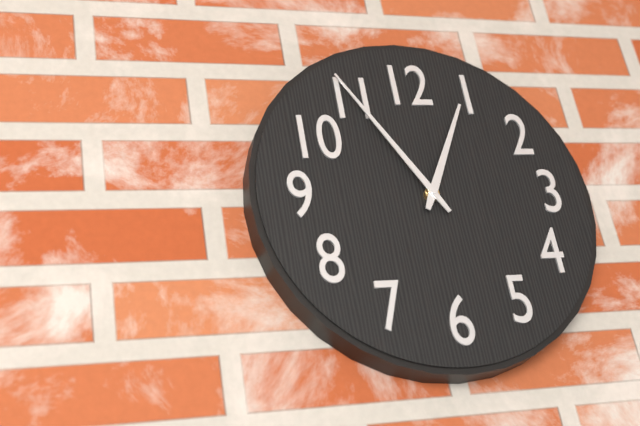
12:55
